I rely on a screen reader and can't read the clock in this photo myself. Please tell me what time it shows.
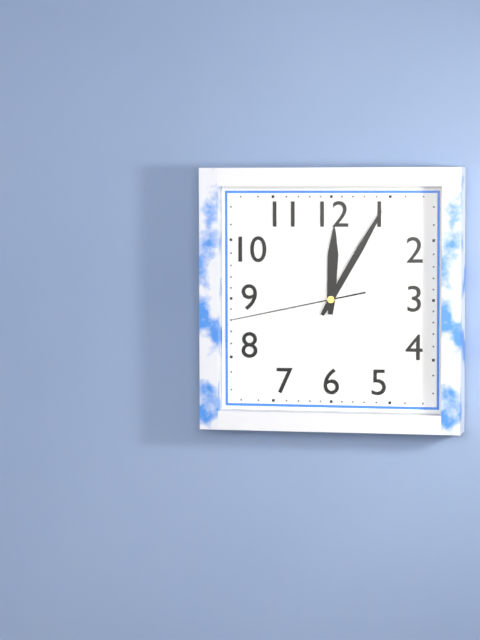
12:05:43
